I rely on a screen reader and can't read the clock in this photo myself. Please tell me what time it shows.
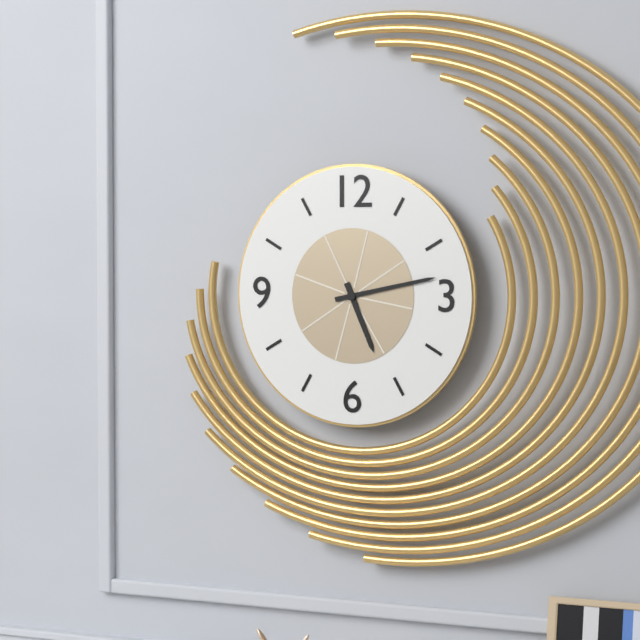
5:13
